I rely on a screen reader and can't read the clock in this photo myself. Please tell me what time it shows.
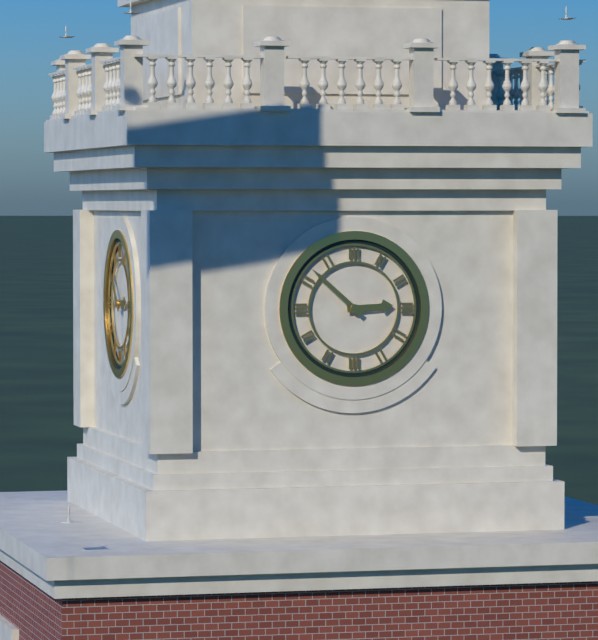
2:52
